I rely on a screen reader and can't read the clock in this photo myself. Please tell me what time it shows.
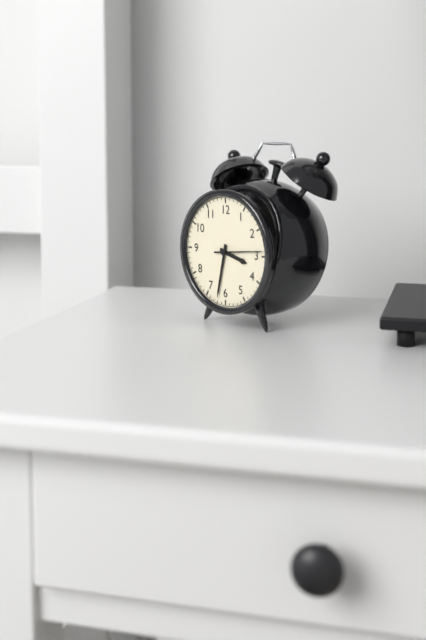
3:32
